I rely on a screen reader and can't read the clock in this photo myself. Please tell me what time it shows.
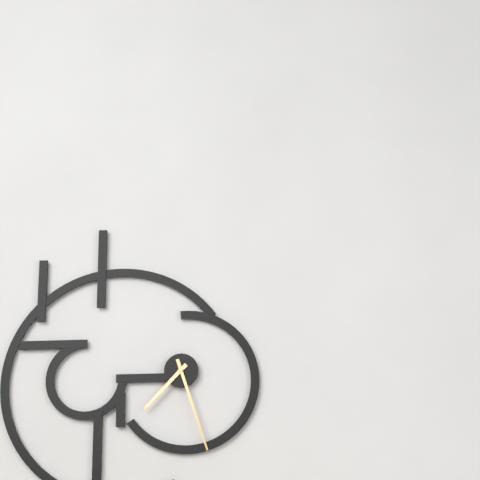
7:27
